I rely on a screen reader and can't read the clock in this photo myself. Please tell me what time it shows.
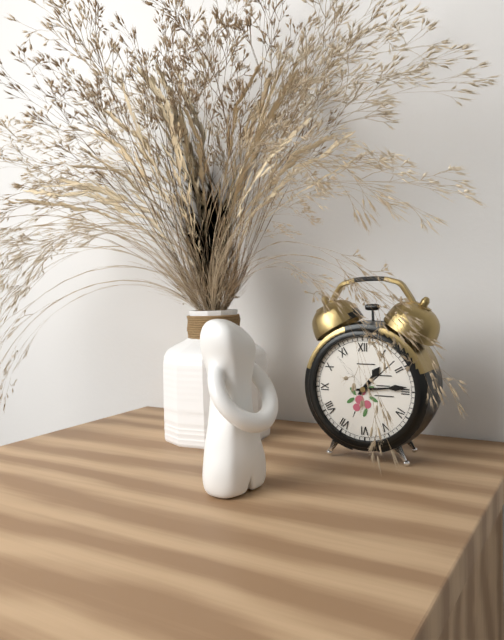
1:14
